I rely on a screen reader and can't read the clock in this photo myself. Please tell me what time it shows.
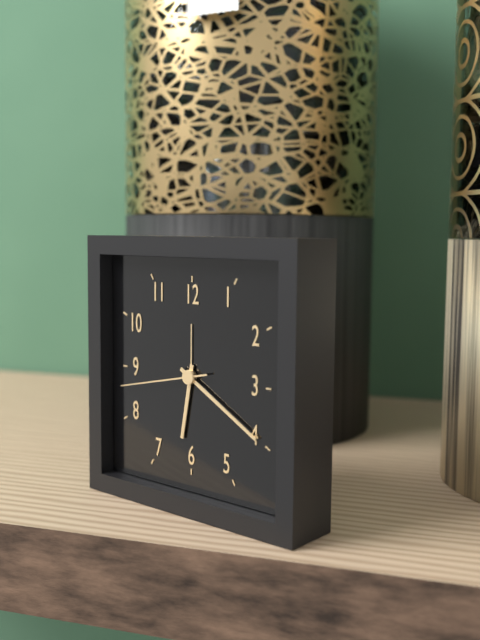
6:20:43
